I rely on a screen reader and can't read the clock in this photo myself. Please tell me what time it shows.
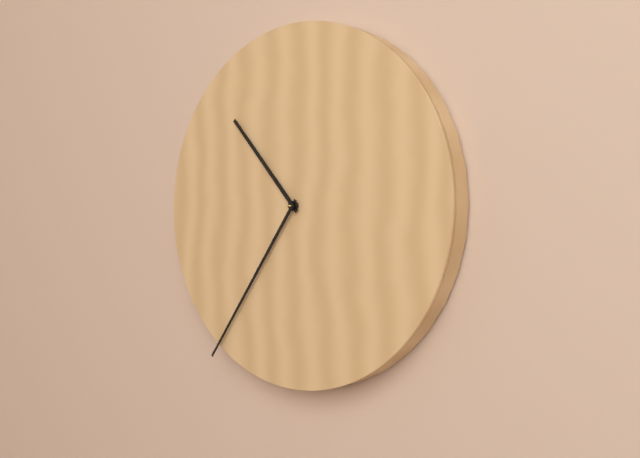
10:36
